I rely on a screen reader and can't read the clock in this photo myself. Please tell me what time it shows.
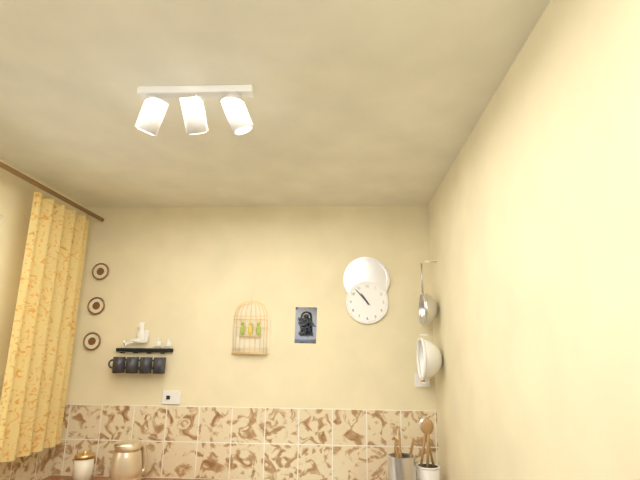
10:53
